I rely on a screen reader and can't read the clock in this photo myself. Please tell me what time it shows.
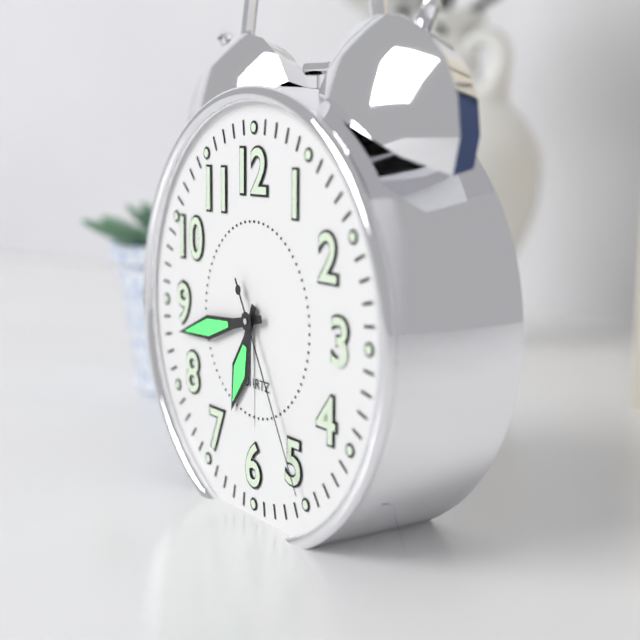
6:43:25
